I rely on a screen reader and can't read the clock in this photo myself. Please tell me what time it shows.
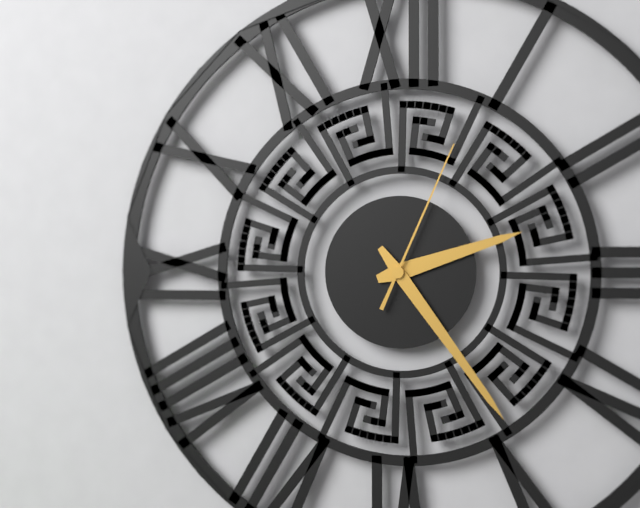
2:24:04
